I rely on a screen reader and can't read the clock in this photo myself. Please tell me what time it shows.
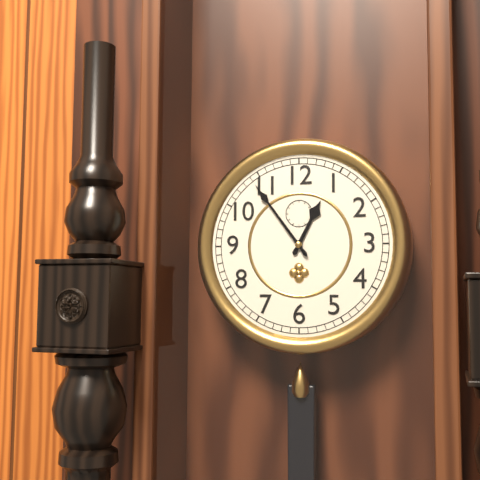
12:54
